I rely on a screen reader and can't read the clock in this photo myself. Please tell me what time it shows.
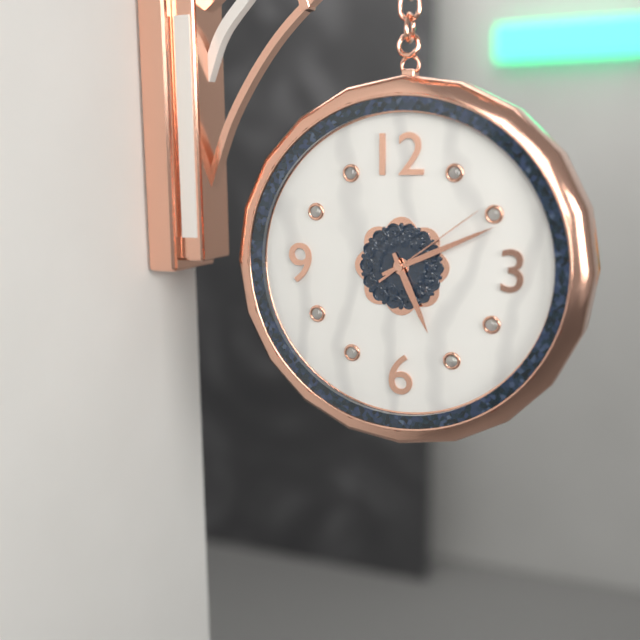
5:11:09
